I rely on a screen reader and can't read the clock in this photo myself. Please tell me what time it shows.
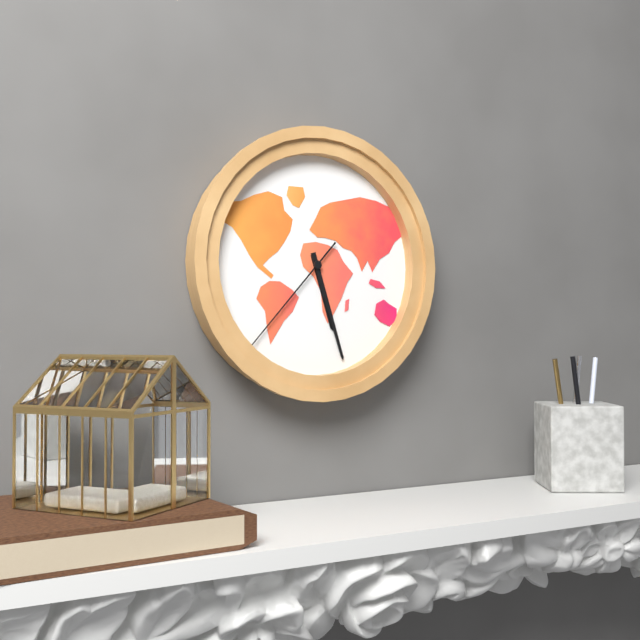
5:27:37
